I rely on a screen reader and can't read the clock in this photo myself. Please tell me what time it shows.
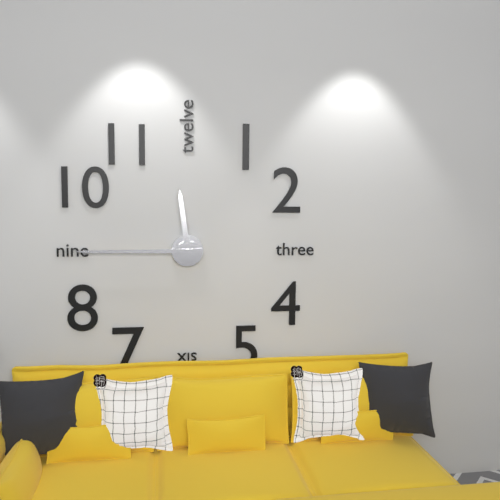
11:45
